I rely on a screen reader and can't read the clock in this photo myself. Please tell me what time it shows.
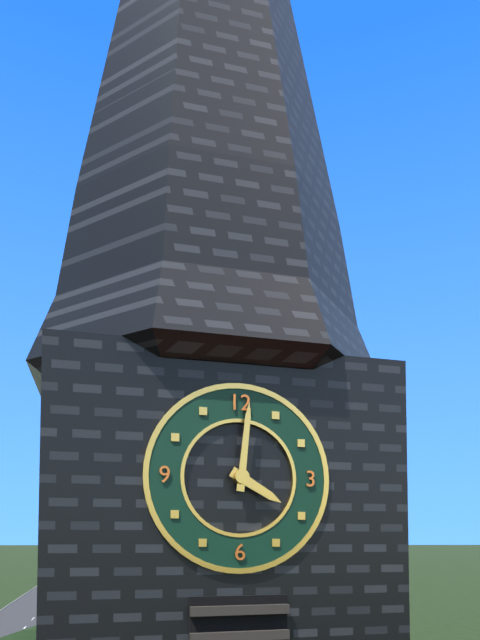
4:01
